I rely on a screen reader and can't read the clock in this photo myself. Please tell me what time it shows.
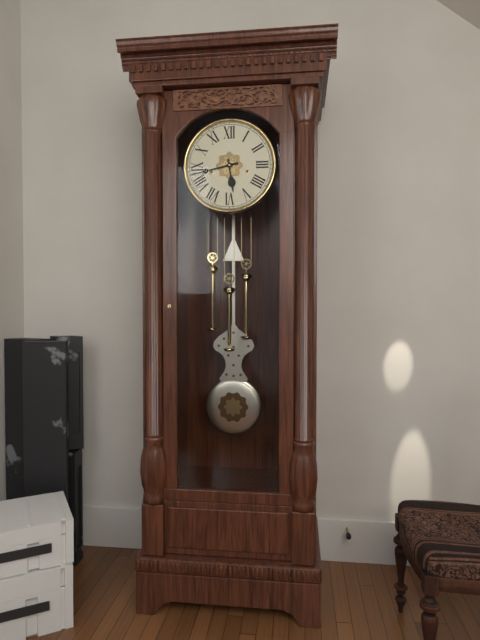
5:43
